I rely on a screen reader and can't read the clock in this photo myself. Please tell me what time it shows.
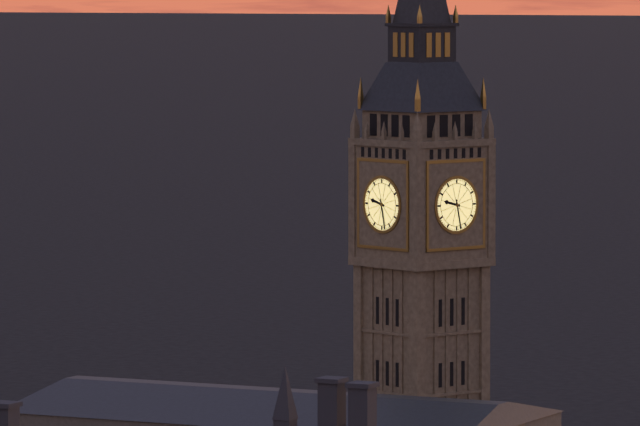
9:28
